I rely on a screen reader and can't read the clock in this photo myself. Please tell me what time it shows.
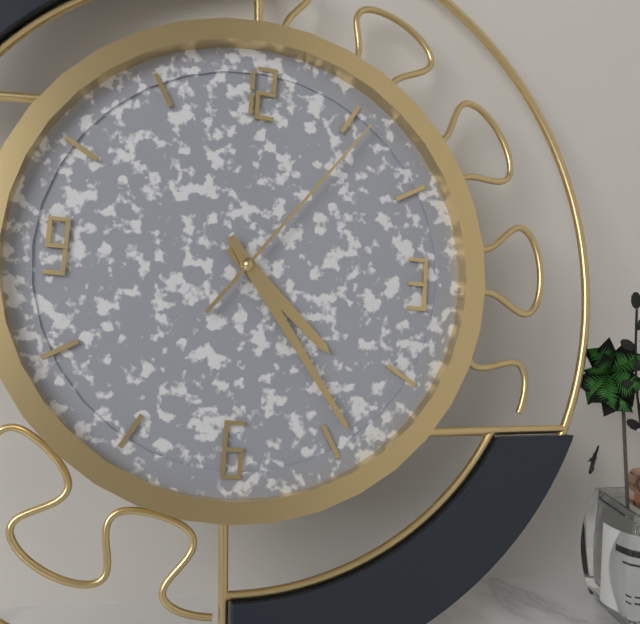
4:24:06
